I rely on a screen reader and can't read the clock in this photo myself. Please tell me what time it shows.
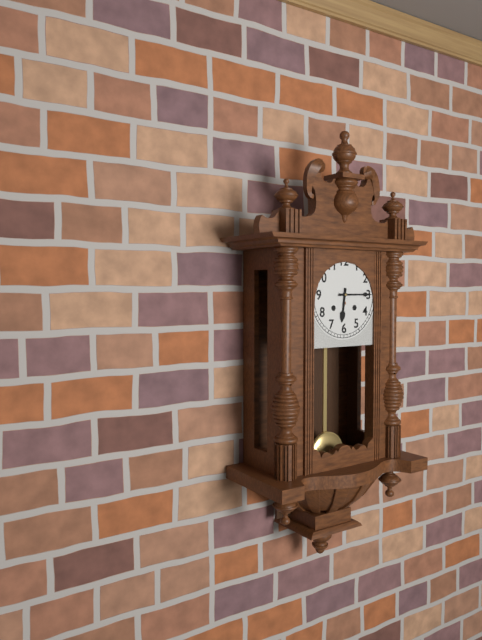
6:15
